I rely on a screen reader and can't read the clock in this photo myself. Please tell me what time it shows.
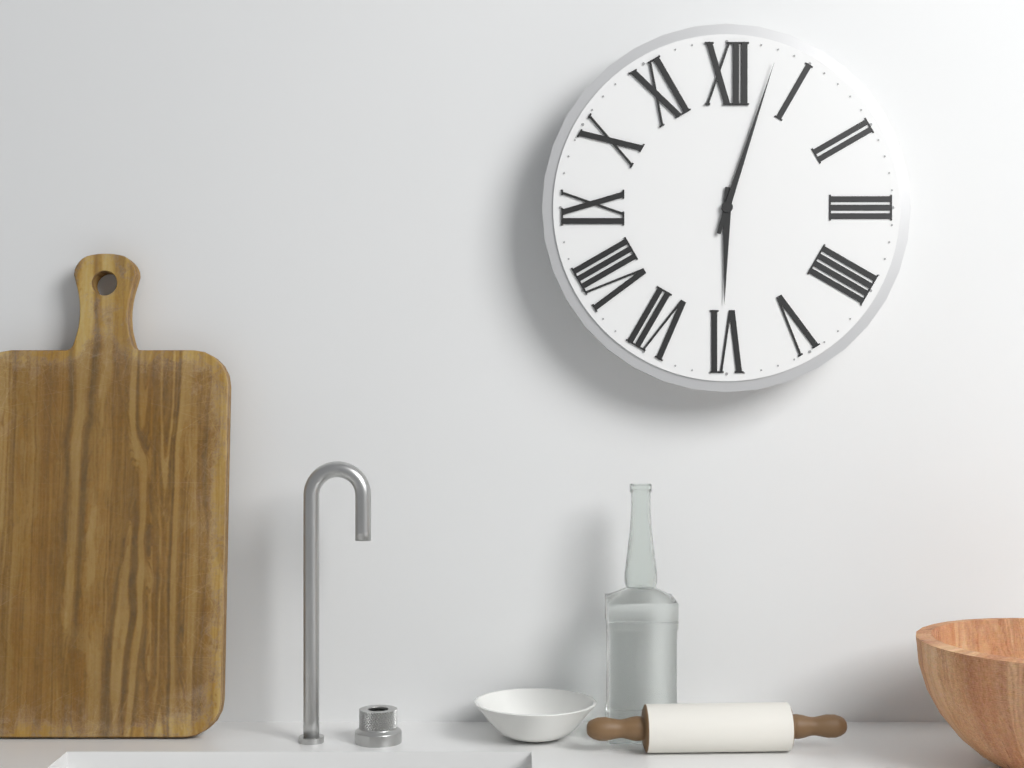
6:03
